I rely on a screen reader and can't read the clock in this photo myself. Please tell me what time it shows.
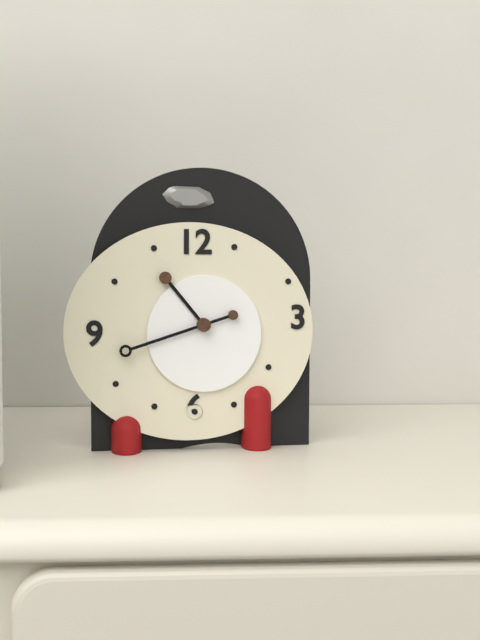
10:42
